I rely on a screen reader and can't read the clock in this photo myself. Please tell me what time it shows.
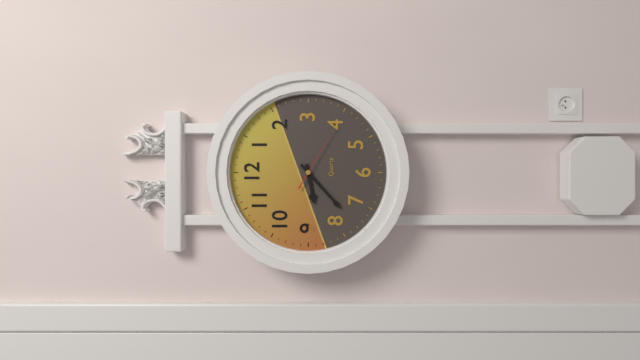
8:38:20
